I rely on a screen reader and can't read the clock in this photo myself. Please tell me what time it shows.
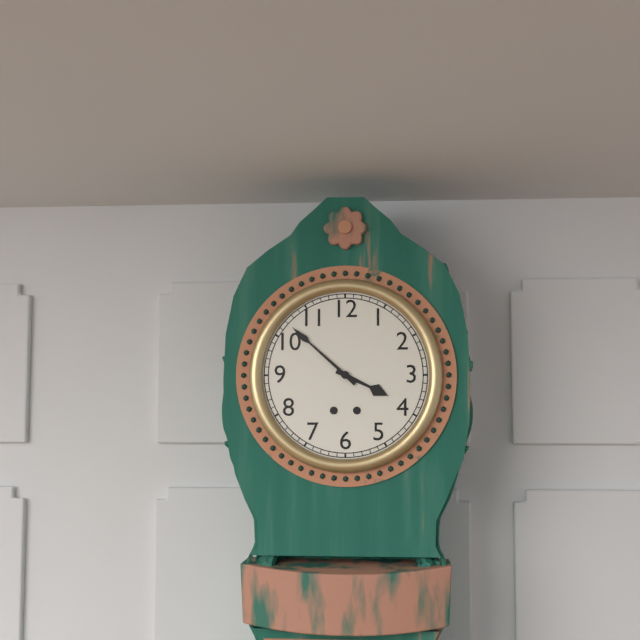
3:52
